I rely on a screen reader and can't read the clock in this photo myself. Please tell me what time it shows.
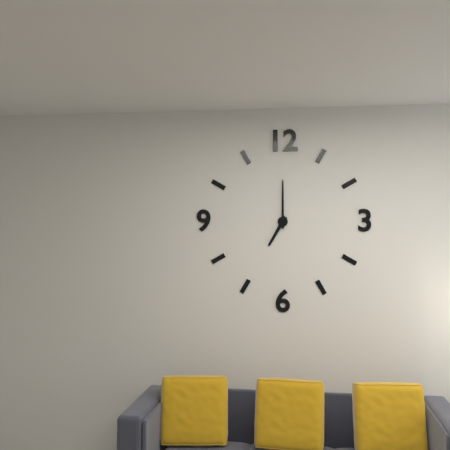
7:00
